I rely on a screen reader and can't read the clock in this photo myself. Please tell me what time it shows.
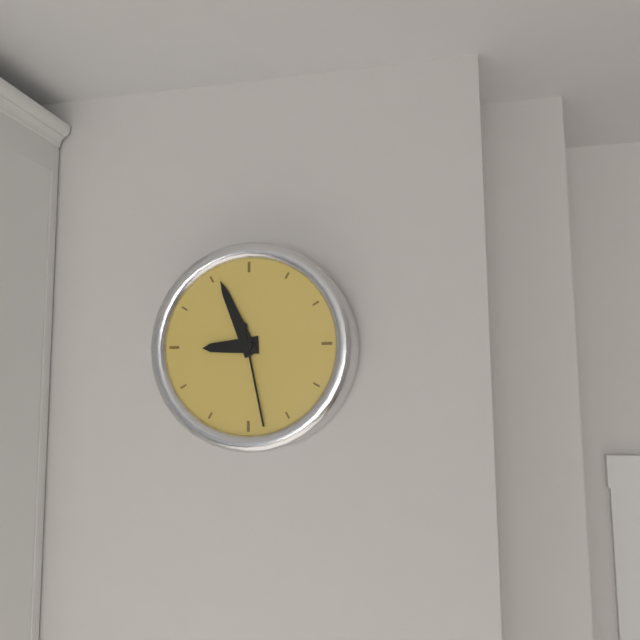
8:56:28
